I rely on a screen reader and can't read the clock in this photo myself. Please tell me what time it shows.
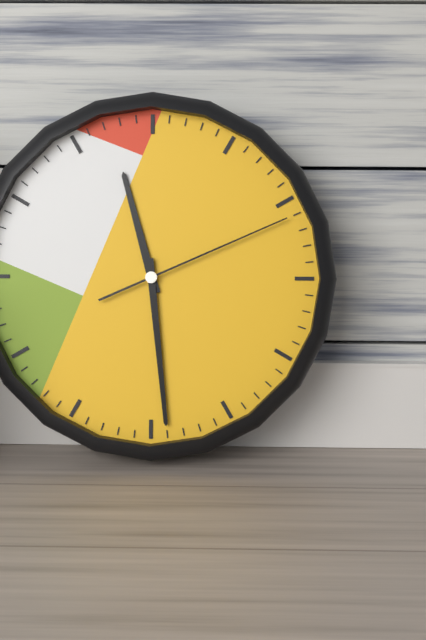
11:29:11
